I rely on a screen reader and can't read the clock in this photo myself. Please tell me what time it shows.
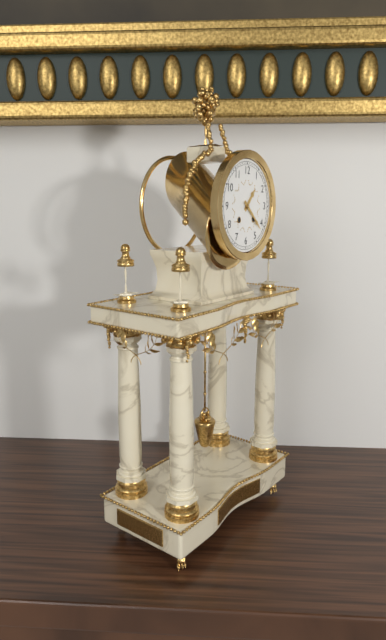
1:22
